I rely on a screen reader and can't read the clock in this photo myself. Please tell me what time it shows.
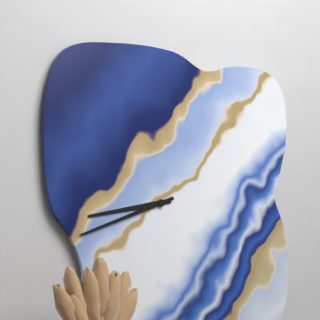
8:42
